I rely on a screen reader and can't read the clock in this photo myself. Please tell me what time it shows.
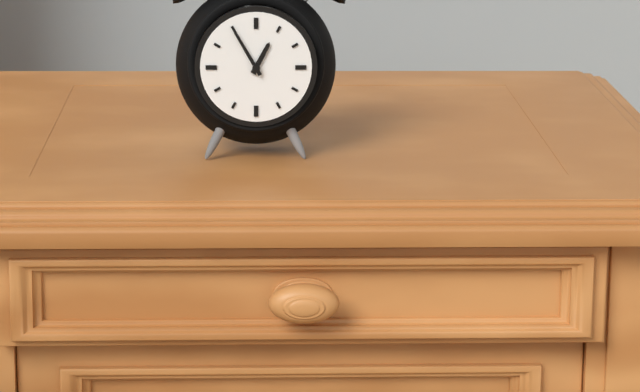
12:55
